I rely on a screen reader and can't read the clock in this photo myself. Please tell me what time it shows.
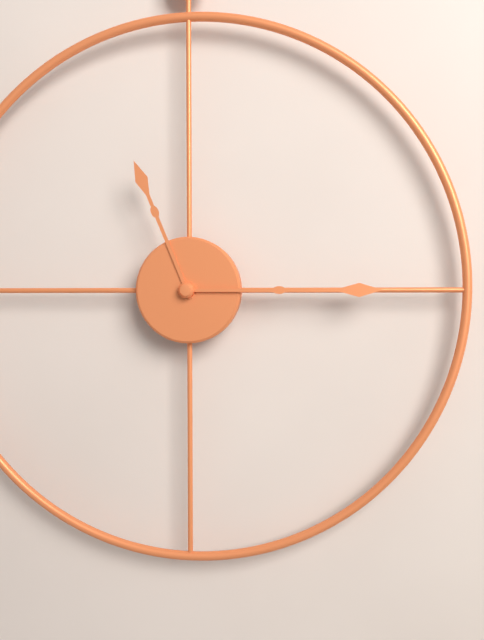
11:15
